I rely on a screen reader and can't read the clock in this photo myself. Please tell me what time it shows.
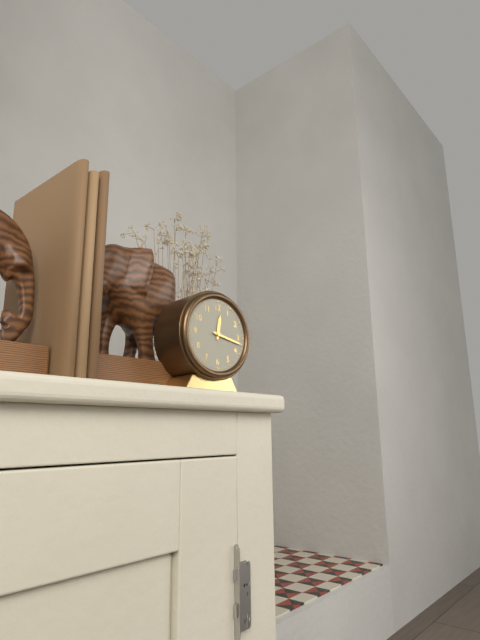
12:17
